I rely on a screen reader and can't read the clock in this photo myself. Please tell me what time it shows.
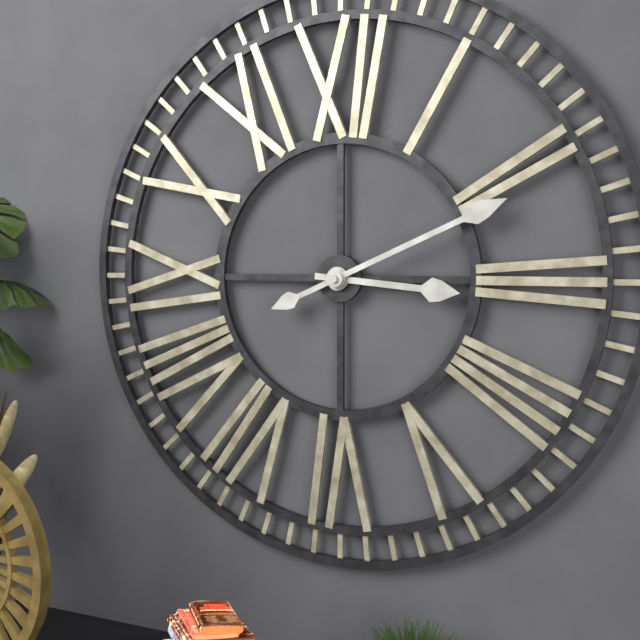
3:11
